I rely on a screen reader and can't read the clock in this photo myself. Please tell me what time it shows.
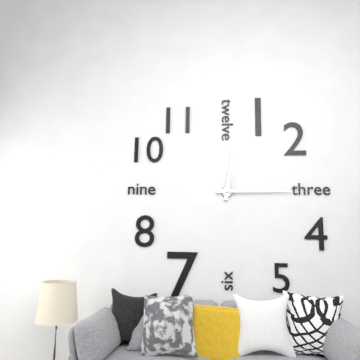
12:15
